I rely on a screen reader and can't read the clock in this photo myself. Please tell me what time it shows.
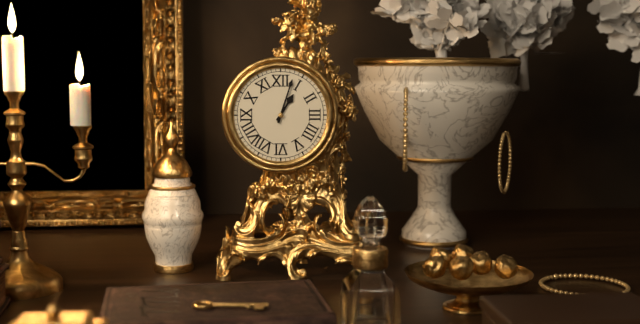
1:03
